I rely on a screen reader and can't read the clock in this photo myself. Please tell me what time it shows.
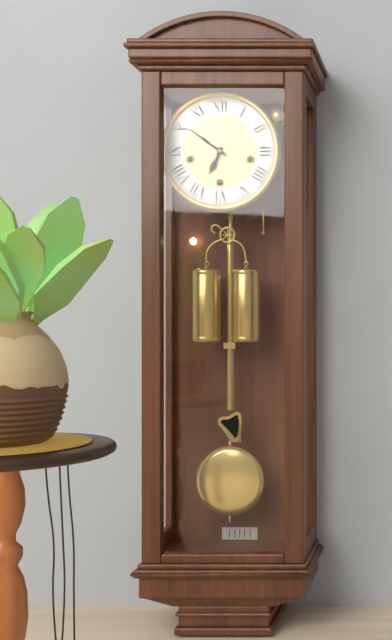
6:51
